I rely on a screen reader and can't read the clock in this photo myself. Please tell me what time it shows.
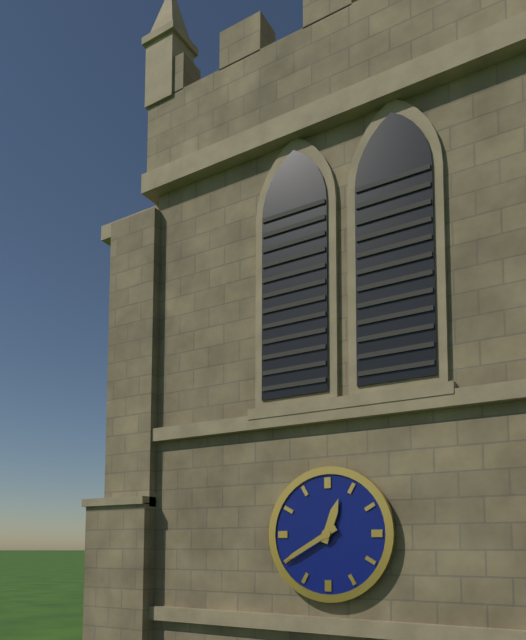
12:40
